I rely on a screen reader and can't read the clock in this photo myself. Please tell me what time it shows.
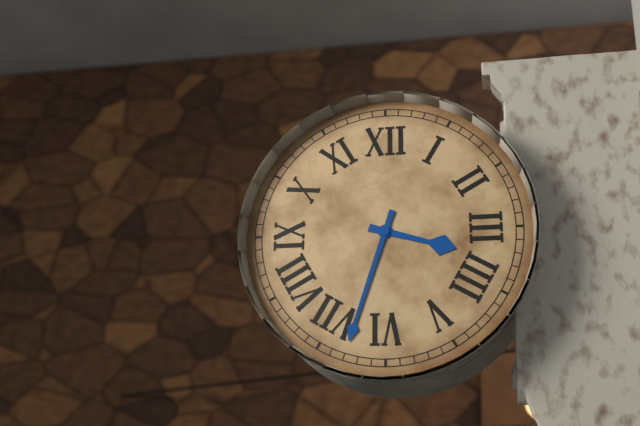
3:33
